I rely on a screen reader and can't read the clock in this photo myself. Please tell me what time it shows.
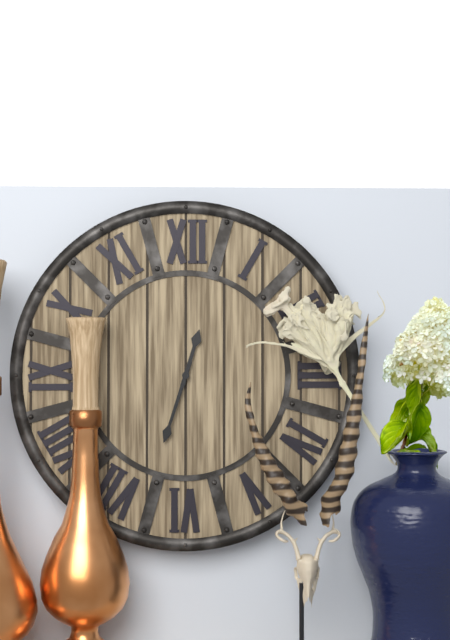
12:33
